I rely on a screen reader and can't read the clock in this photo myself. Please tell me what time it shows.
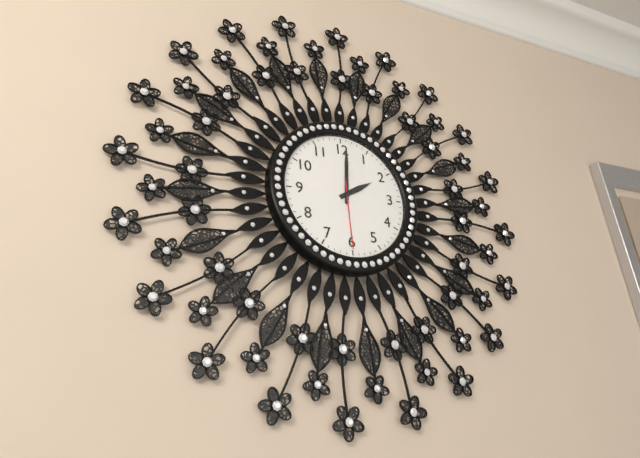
2:01:30
